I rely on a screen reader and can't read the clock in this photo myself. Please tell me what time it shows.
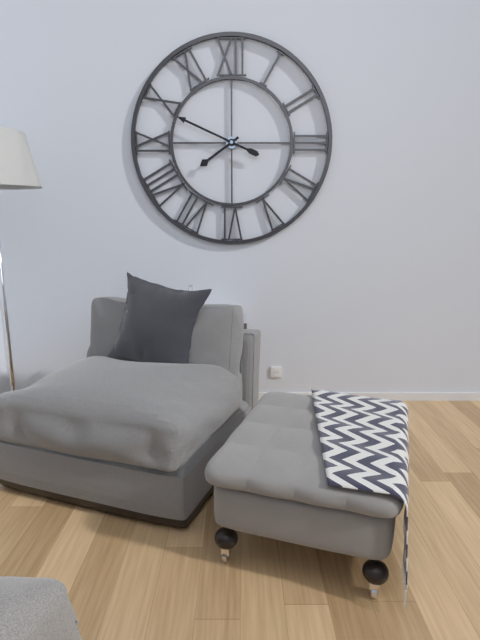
7:49
